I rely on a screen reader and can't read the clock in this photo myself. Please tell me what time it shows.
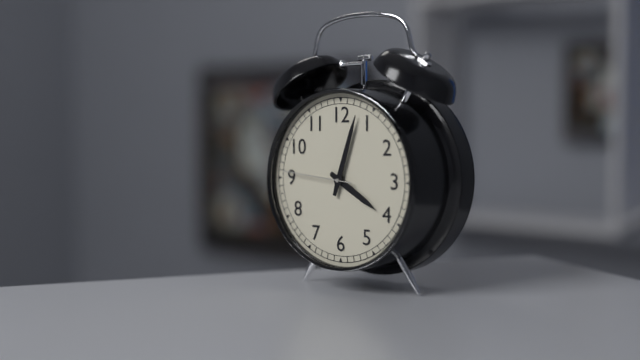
4:03:46
